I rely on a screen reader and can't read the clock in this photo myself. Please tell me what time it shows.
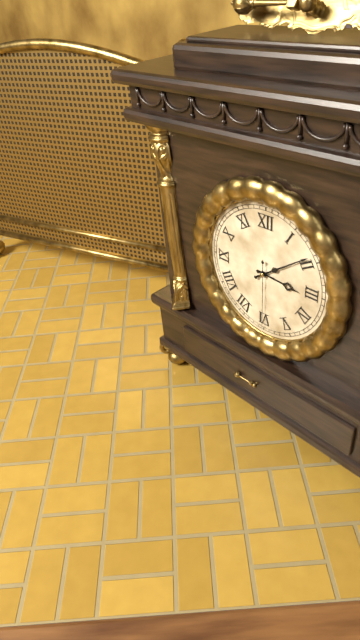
3:09:30
